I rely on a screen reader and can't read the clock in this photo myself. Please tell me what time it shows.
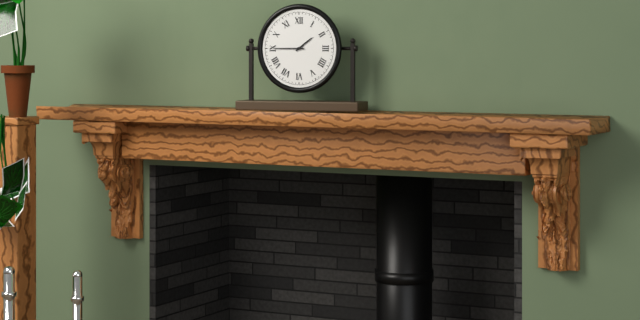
1:45
